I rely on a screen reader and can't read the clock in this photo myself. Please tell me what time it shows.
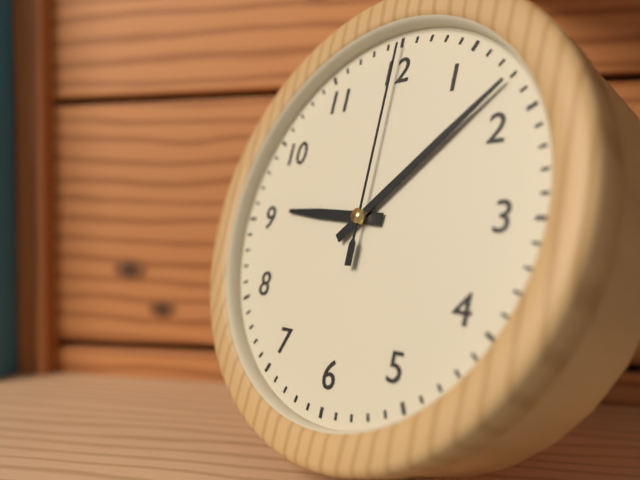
9:08:00
